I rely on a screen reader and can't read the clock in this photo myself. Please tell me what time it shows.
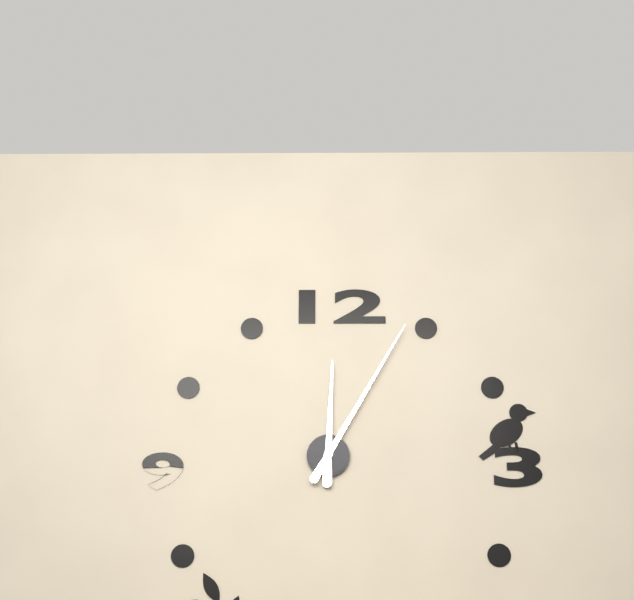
12:05
